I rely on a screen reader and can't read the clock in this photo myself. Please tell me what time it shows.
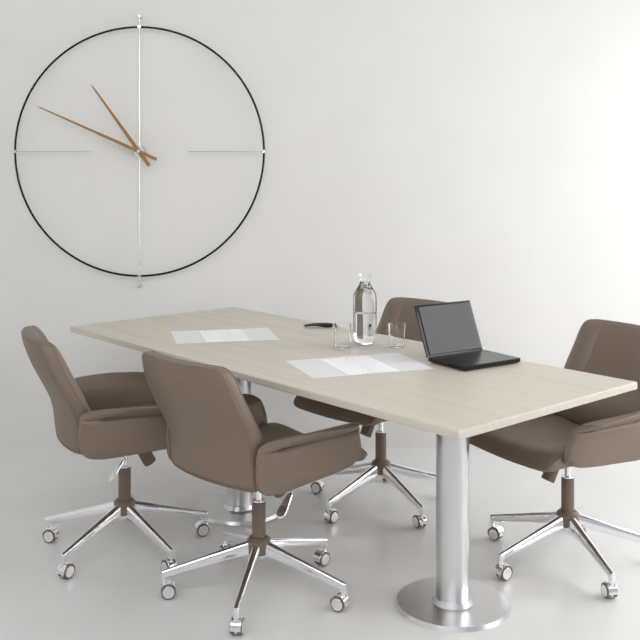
10:49
